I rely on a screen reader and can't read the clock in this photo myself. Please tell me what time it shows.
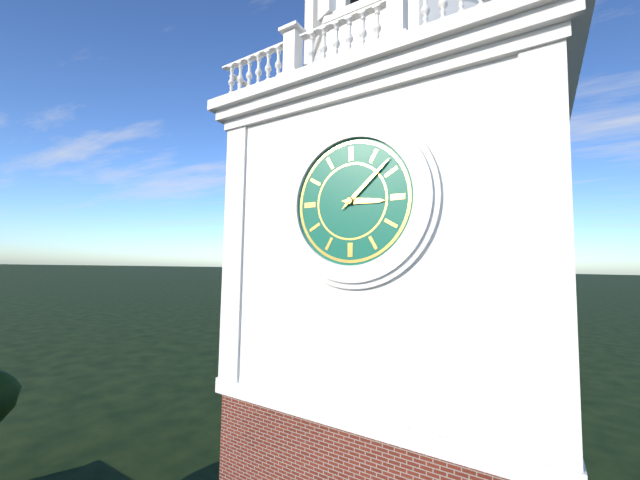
3:08
